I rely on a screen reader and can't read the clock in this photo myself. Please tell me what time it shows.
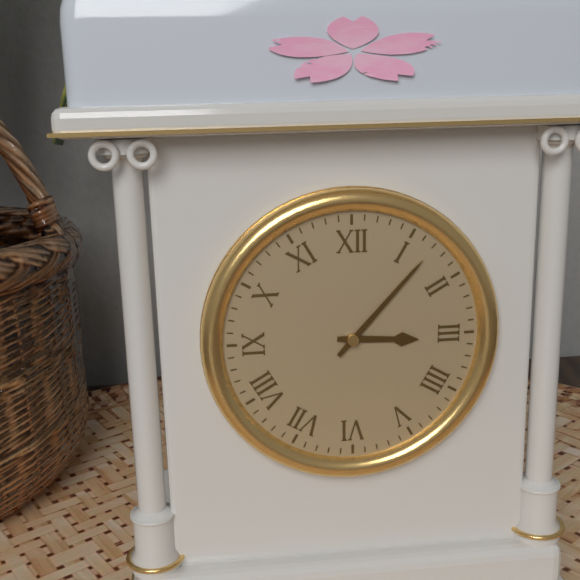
3:07
